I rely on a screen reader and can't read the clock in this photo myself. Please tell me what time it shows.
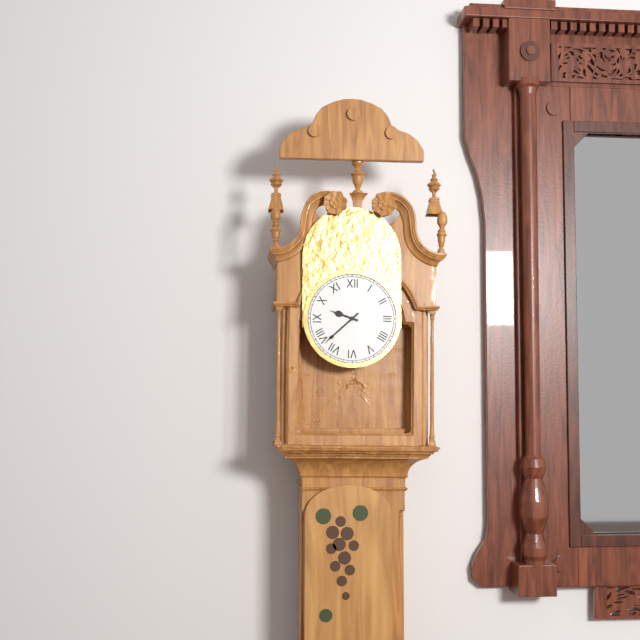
9:38
